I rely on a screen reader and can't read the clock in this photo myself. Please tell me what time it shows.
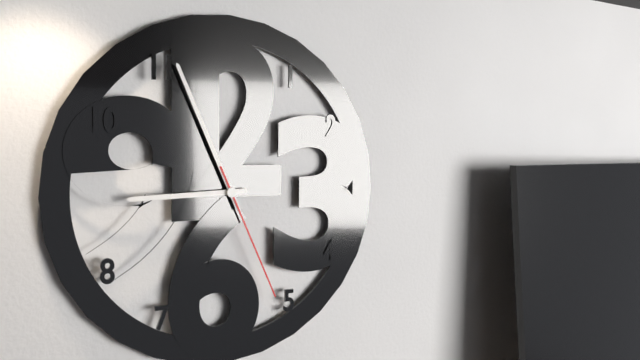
8:56:26
